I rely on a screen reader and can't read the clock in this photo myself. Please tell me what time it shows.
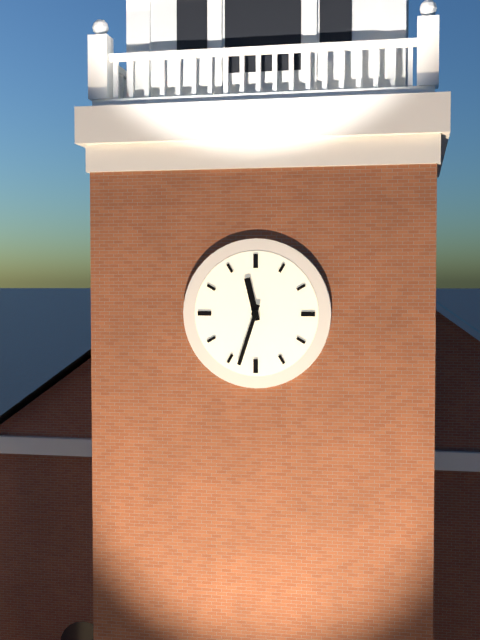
11:33
